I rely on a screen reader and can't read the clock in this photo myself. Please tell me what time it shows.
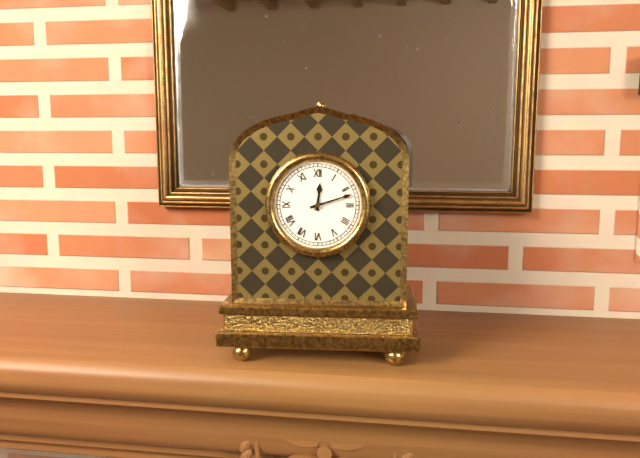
12:12
